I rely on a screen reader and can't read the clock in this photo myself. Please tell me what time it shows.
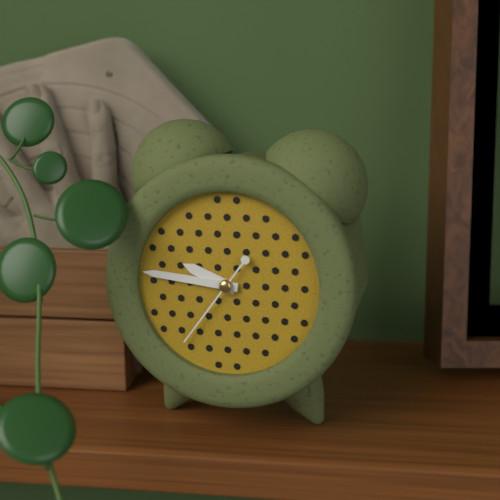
9:46:36
